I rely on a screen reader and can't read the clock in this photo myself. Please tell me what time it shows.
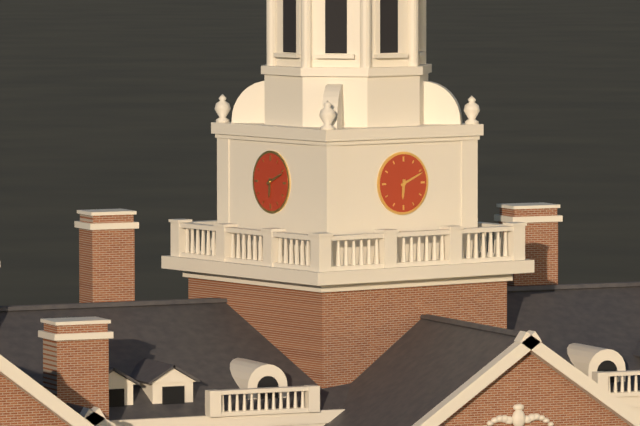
6:11
